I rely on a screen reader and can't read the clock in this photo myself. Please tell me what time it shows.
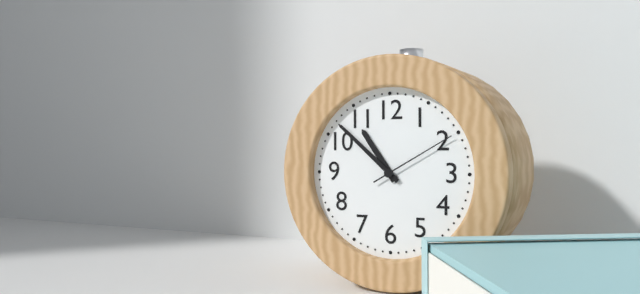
10:52:10
